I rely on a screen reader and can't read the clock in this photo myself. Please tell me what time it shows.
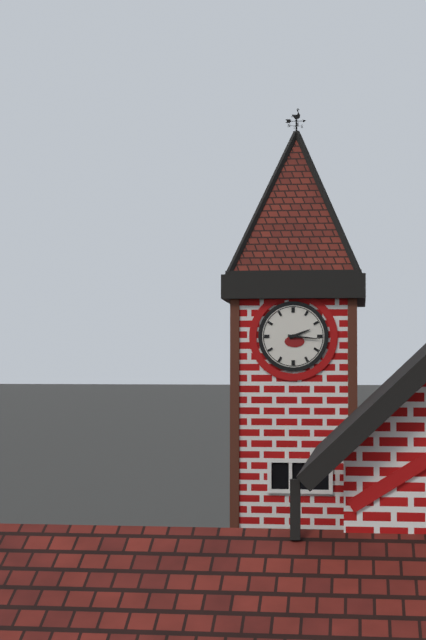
2:16
